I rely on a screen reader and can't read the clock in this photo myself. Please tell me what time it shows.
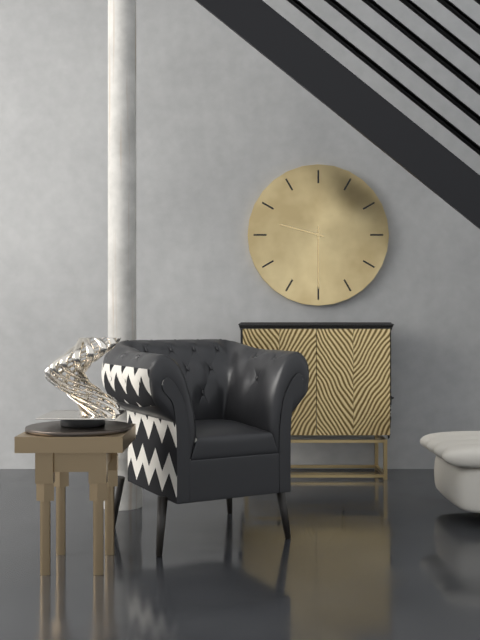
9:30
